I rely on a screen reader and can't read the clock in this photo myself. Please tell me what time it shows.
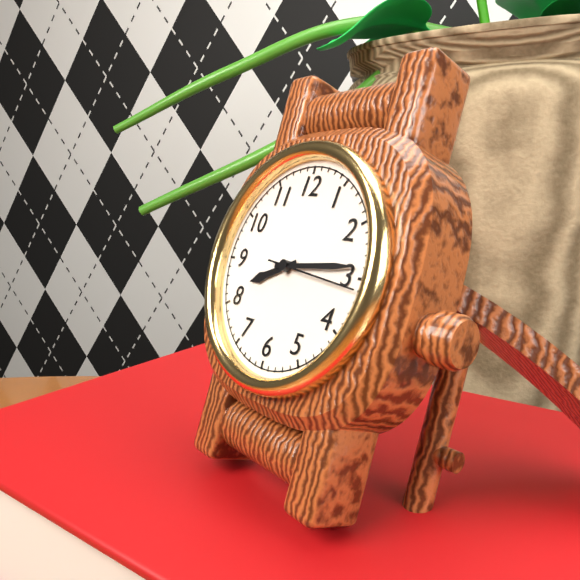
8:14
